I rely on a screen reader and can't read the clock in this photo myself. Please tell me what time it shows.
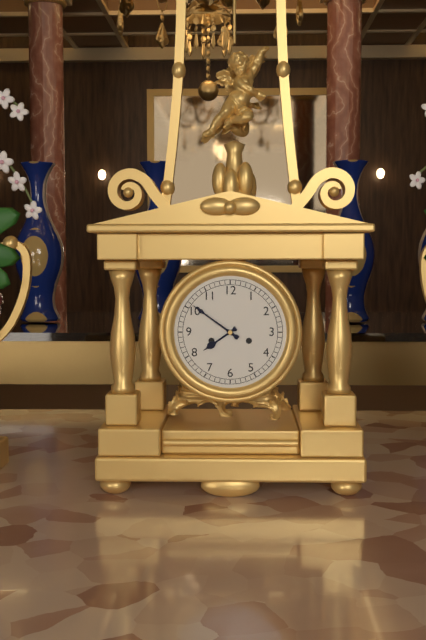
7:51
